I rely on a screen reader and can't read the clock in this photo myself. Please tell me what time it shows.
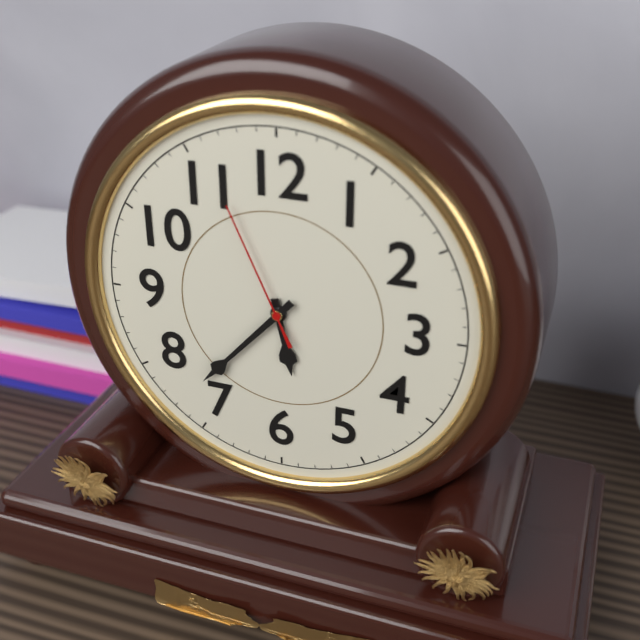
5:37:56
